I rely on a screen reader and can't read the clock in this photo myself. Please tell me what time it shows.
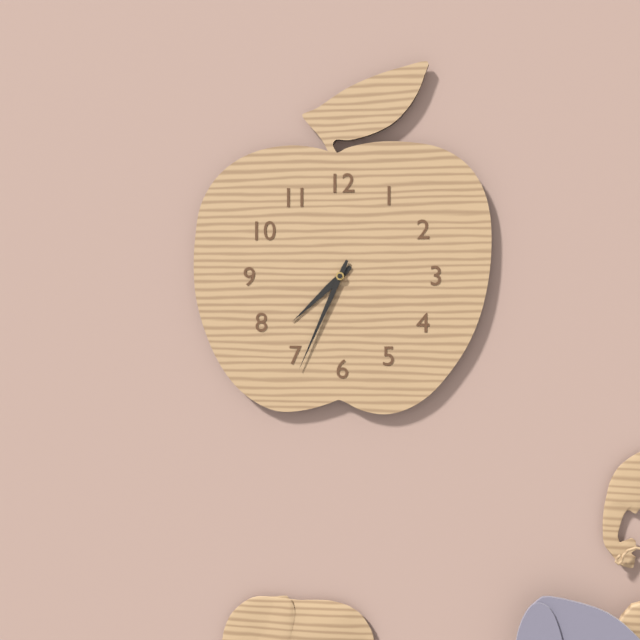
7:34
